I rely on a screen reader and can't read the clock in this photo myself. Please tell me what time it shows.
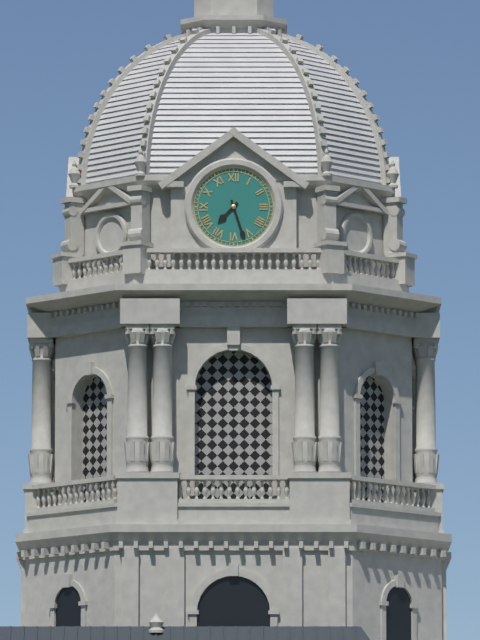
7:27
